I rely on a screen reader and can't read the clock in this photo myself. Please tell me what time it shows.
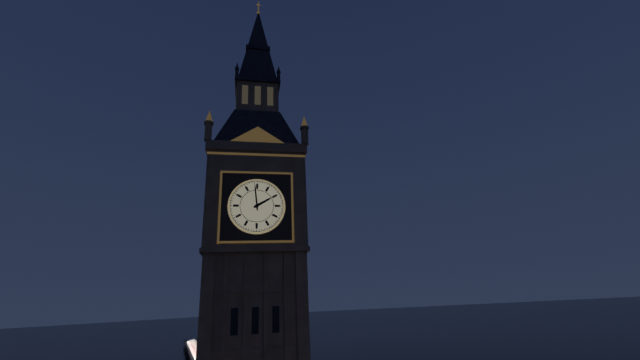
1:59
